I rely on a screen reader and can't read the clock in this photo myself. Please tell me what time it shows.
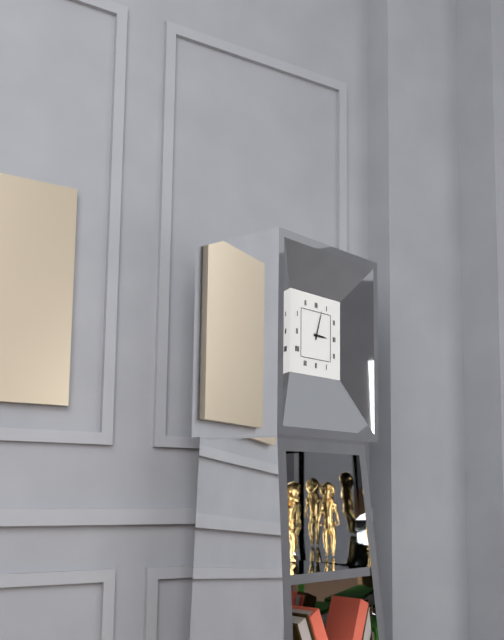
3:03
